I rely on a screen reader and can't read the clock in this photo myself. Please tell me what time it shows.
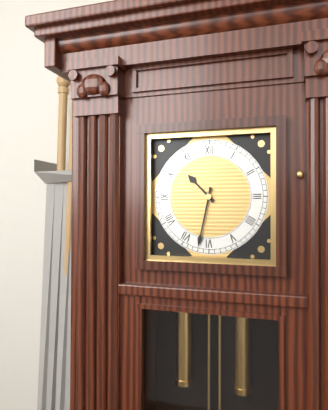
10:32
